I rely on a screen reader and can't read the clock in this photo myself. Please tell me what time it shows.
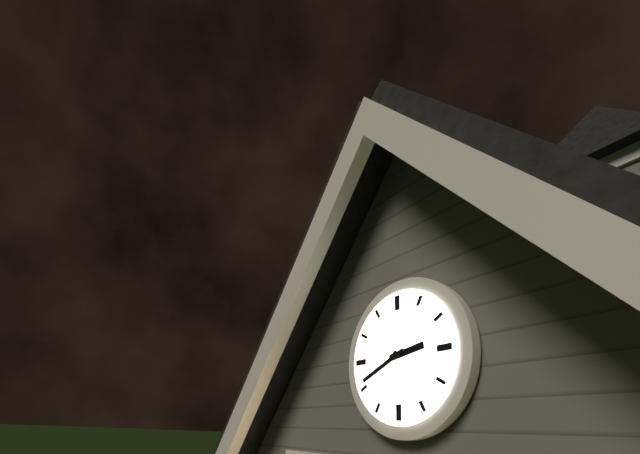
2:41
